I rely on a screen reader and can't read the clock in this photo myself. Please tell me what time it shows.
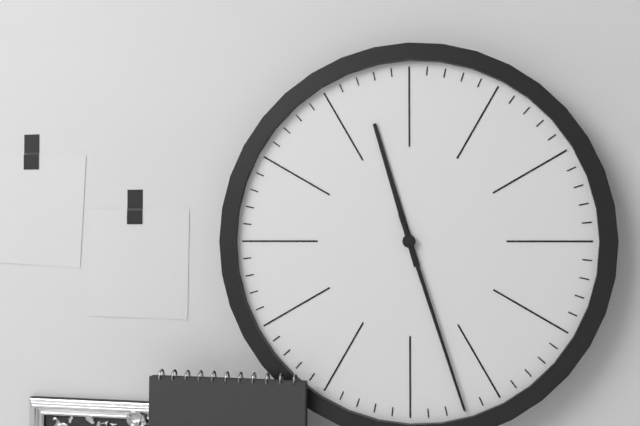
11:27
